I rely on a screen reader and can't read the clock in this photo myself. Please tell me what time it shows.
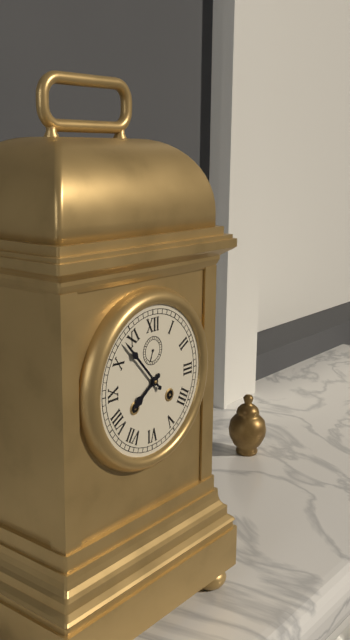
7:53
